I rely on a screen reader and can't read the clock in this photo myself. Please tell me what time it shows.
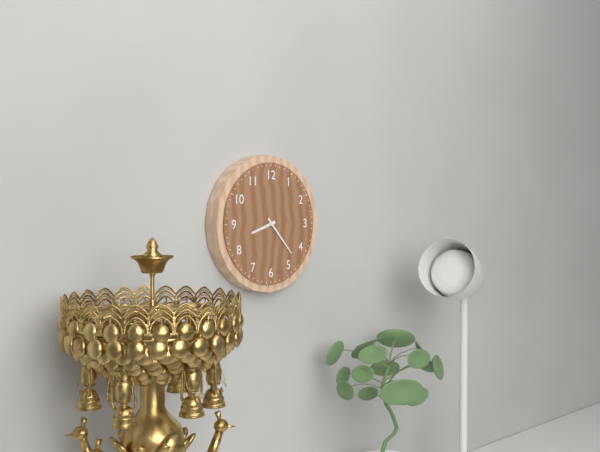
8:23
